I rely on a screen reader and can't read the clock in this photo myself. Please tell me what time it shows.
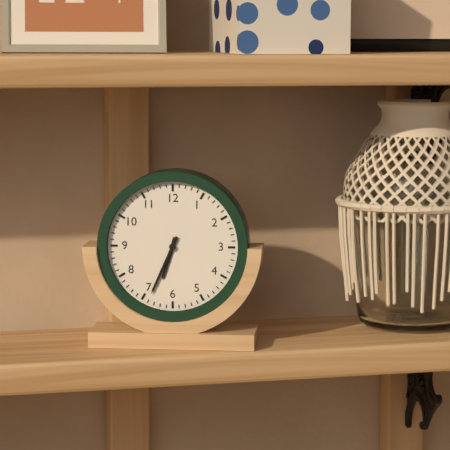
6:34
